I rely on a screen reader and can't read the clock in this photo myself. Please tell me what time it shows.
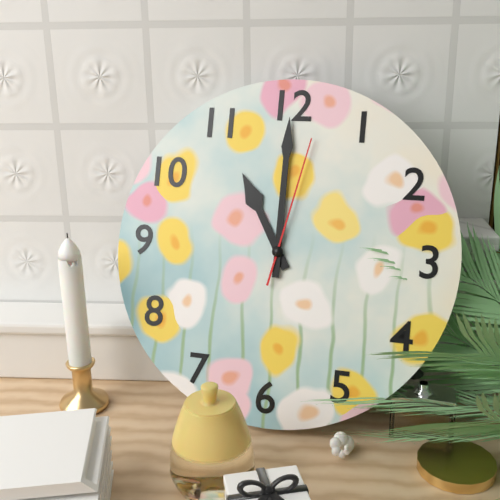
11:00:02
